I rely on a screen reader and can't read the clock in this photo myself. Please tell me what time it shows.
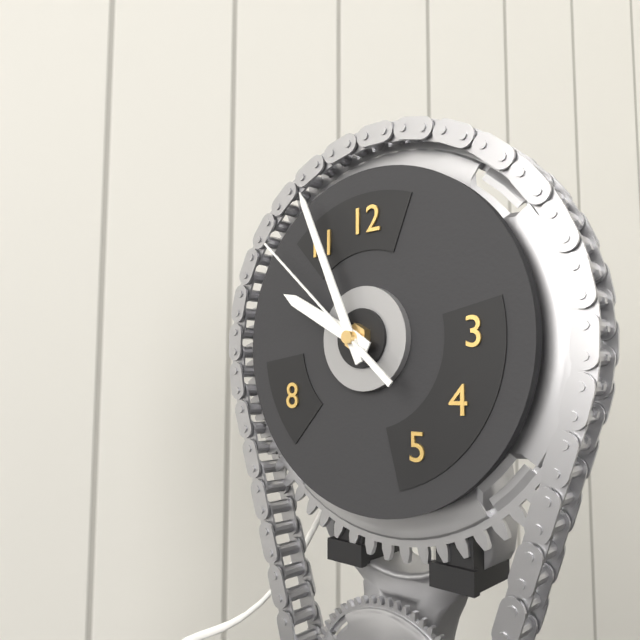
9:56:52
